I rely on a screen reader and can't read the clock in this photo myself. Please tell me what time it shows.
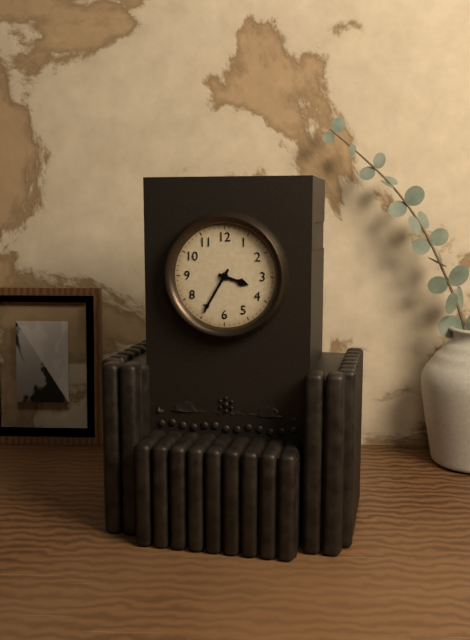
3:35
